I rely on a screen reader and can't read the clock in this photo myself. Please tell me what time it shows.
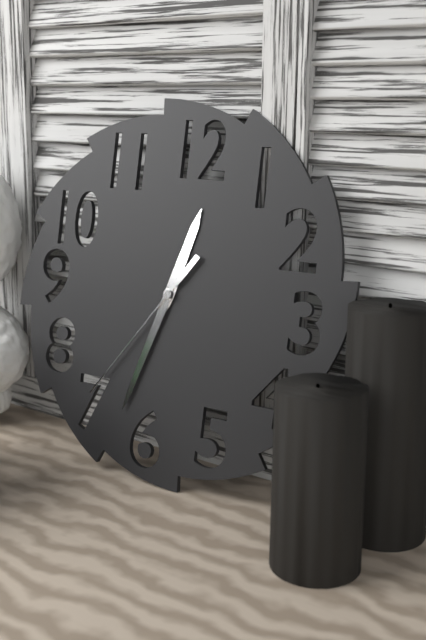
12:33:36
